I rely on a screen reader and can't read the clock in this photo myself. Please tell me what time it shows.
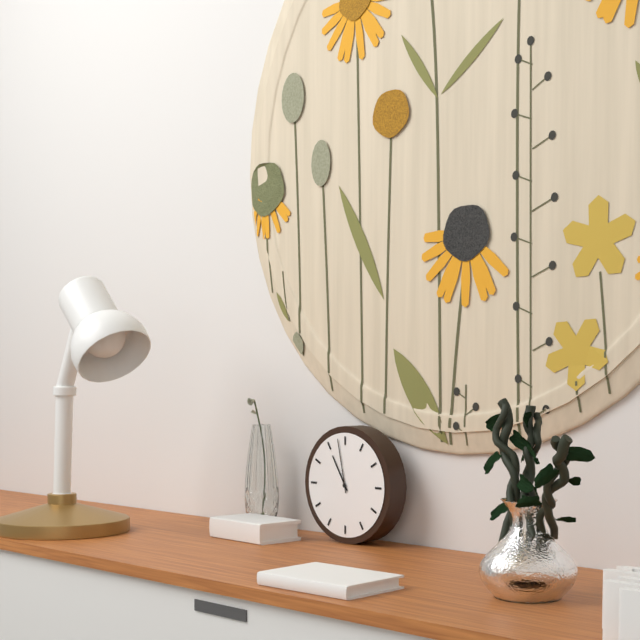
10:58
